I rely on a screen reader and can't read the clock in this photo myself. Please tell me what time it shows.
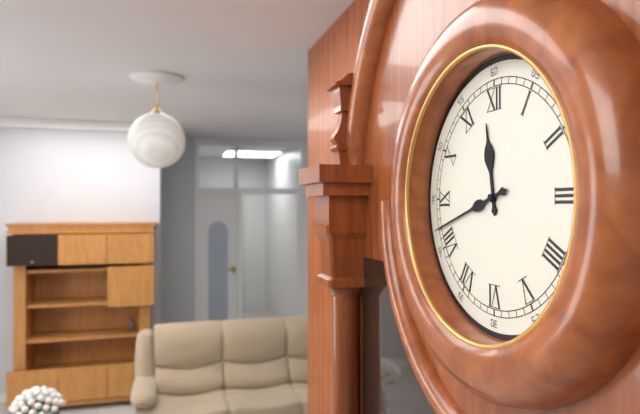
11:42
